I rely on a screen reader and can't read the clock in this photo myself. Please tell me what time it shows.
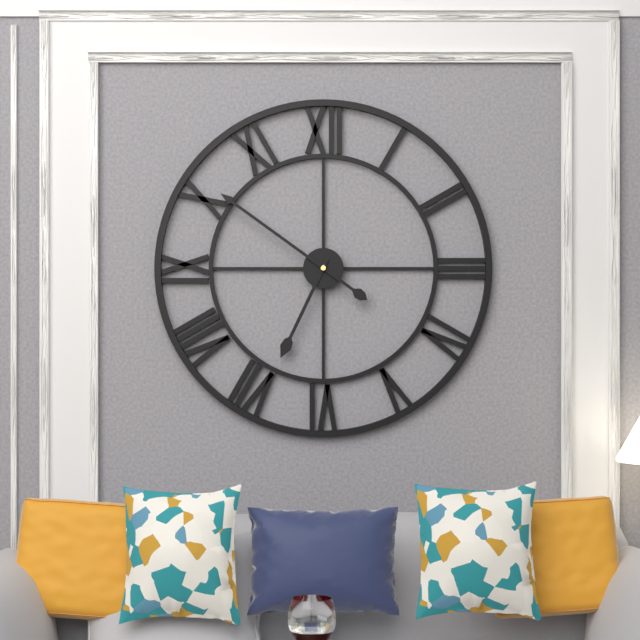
6:51
